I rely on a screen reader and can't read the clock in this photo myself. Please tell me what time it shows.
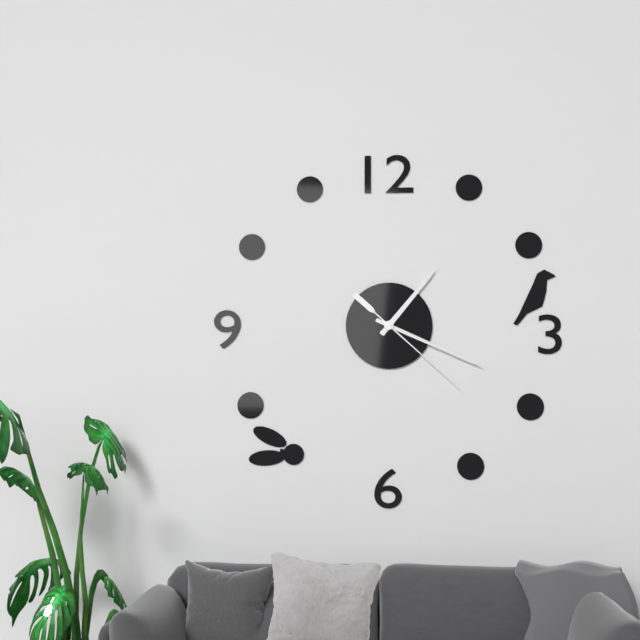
1:19:22
